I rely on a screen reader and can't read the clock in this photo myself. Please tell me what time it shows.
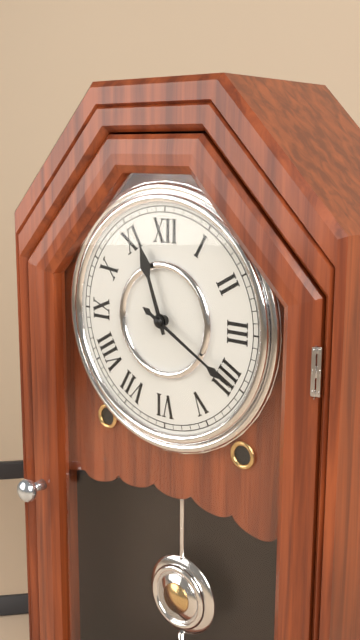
11:20
